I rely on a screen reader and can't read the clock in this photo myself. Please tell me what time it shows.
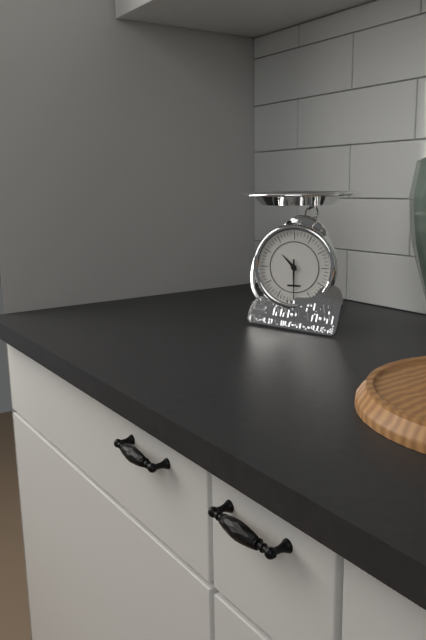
10:30
